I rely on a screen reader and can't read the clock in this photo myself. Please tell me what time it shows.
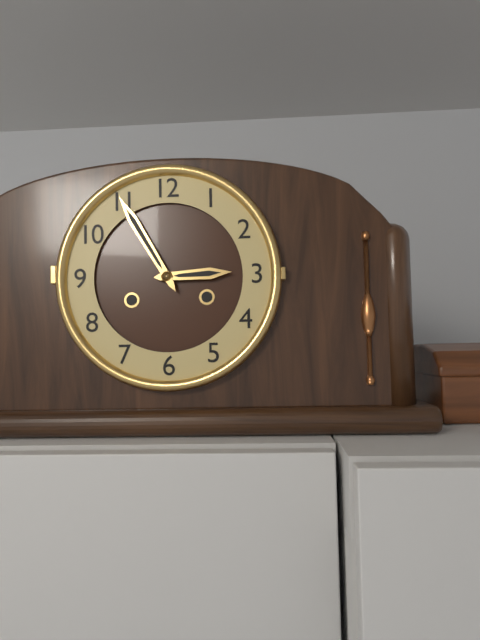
2:55
